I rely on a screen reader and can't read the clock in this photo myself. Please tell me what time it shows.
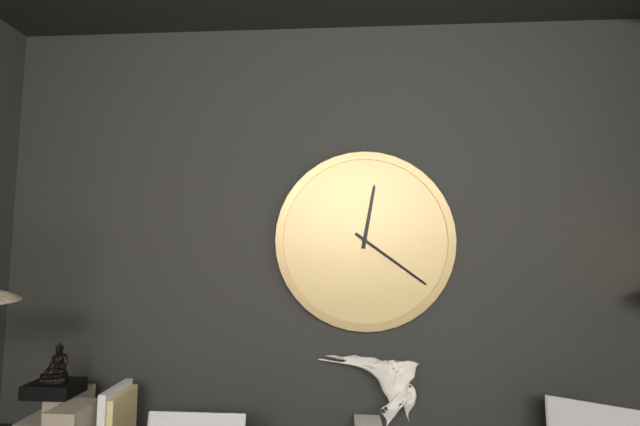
12:21
